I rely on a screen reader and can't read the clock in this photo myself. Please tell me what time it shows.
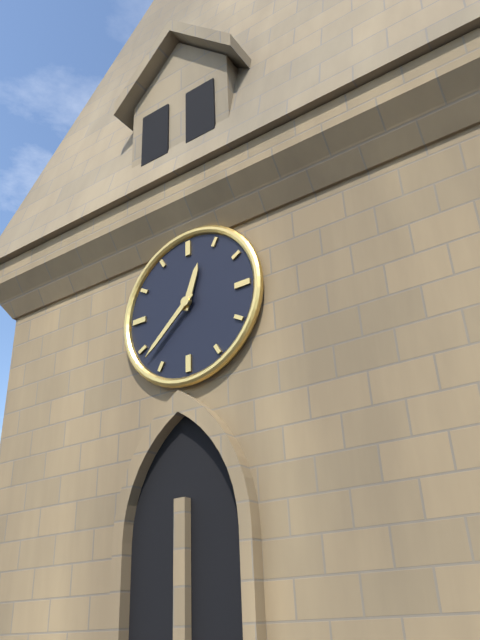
12:38
